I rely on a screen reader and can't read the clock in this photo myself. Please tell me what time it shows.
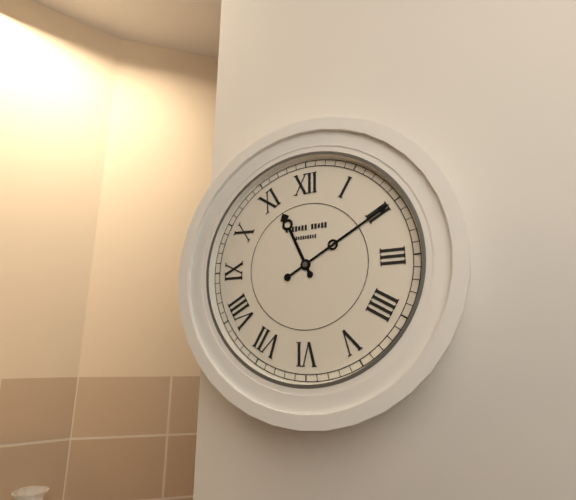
11:10
